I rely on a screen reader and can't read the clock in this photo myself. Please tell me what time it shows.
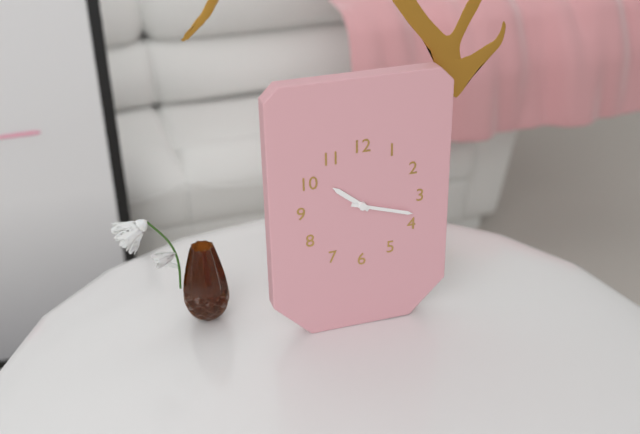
10:18
